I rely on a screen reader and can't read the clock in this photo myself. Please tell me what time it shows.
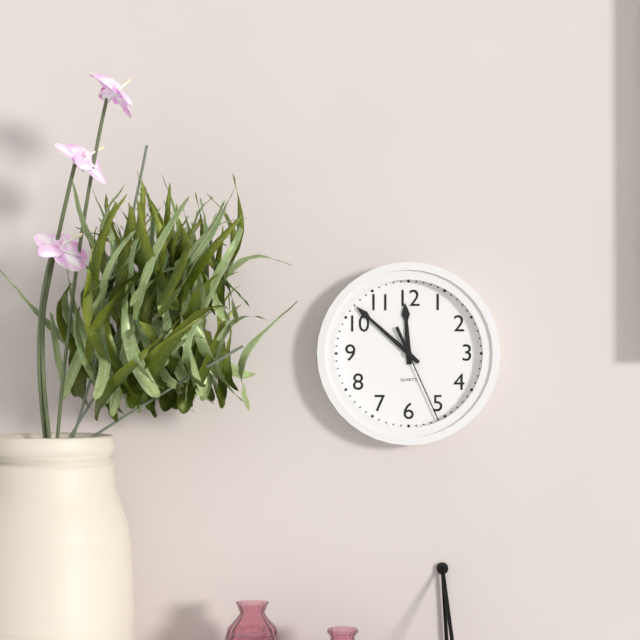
11:52:26
